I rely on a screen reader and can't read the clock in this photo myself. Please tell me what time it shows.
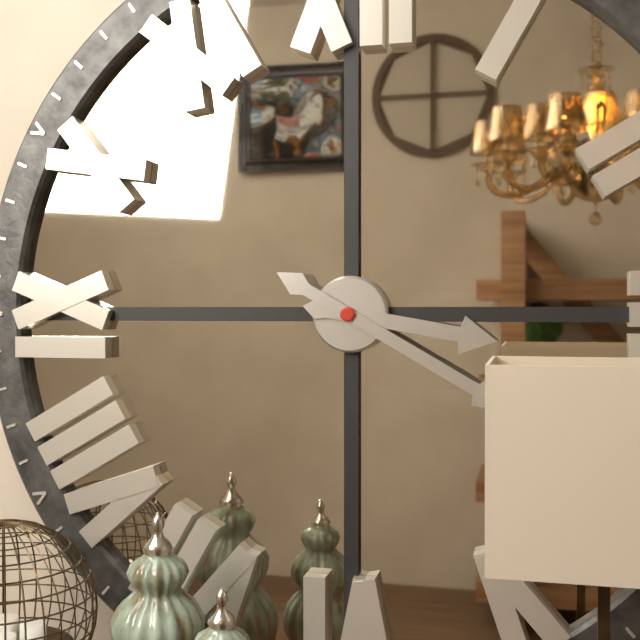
3:20
